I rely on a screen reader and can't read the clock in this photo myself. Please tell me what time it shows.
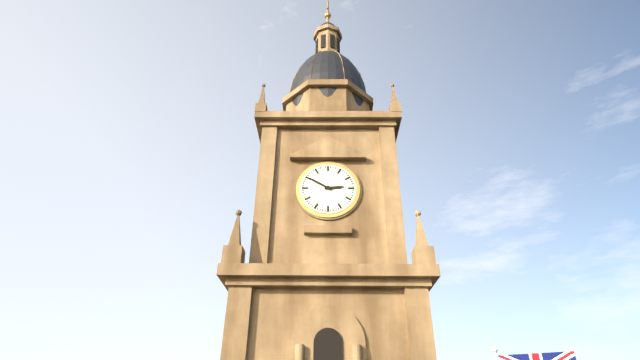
2:50
